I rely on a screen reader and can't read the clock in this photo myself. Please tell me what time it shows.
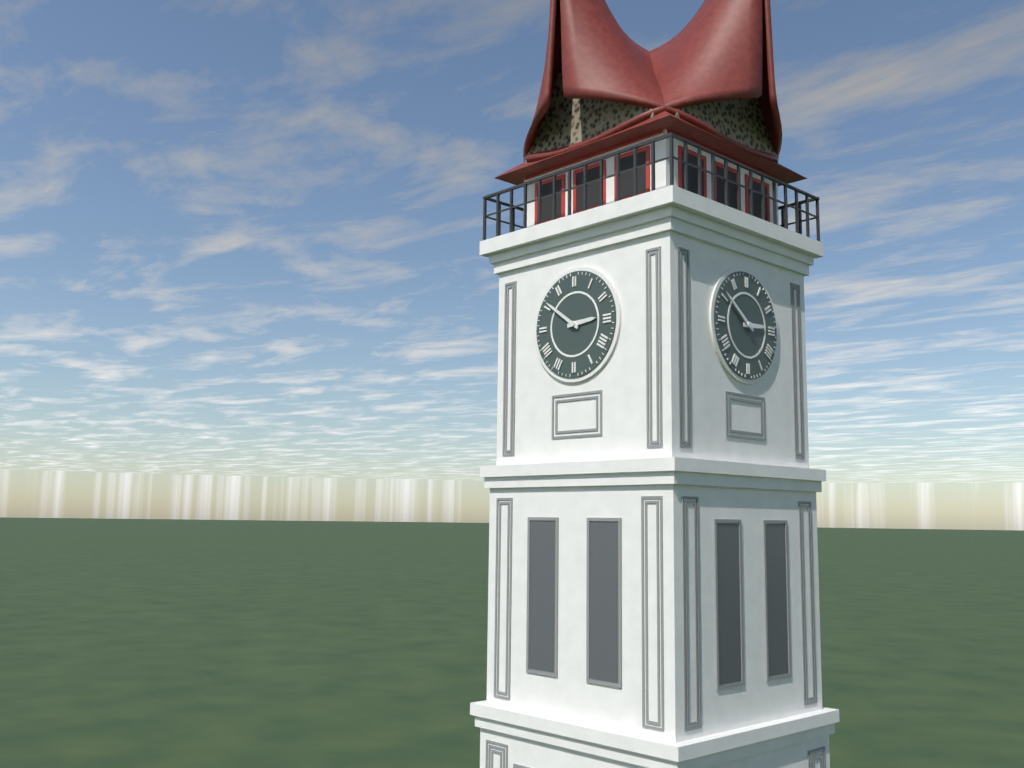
2:51
